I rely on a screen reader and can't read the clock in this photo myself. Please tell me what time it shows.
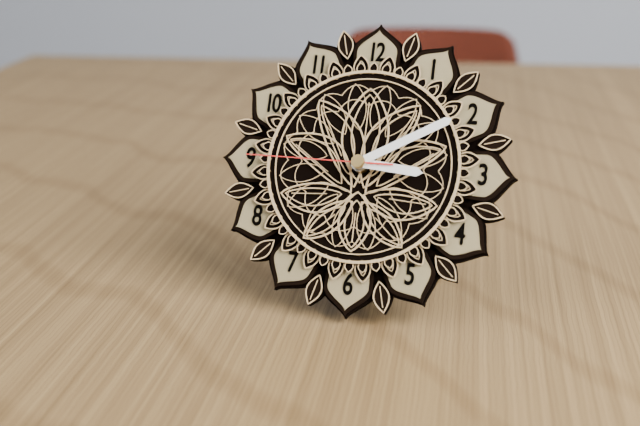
3:10:45
